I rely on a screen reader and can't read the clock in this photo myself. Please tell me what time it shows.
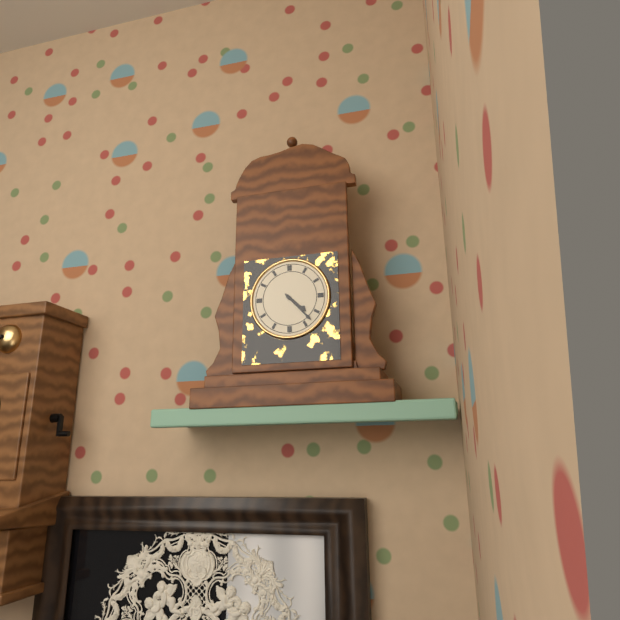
4:23
